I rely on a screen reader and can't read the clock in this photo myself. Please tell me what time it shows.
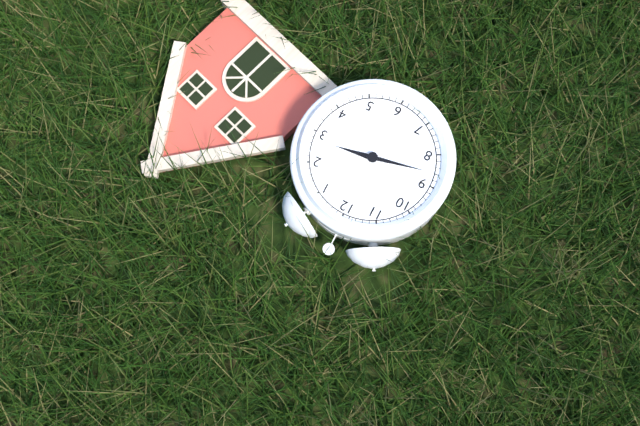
2:43
